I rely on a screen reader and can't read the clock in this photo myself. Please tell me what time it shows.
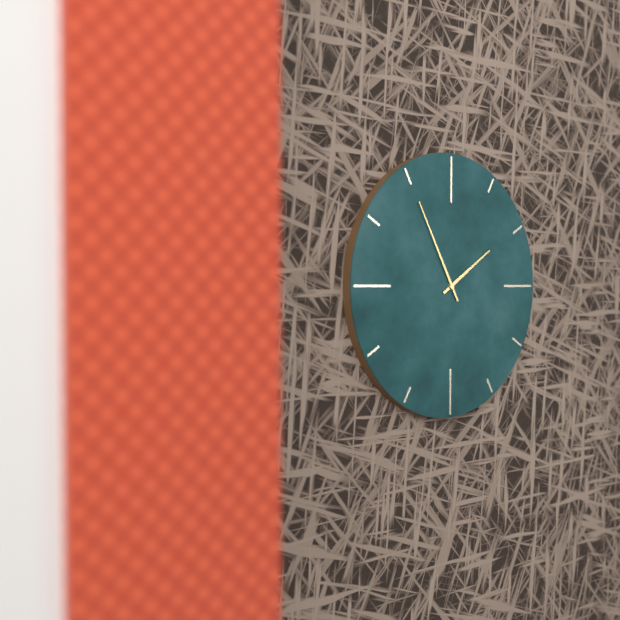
1:55
